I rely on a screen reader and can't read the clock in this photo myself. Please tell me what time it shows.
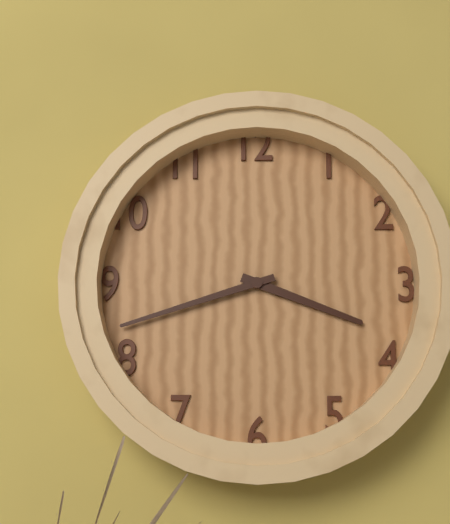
3:42
